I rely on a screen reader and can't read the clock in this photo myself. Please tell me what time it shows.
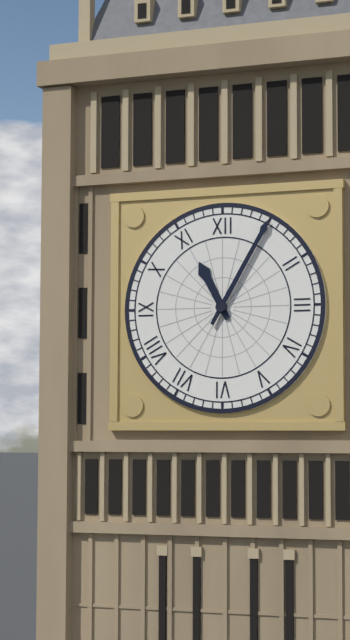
11:05
